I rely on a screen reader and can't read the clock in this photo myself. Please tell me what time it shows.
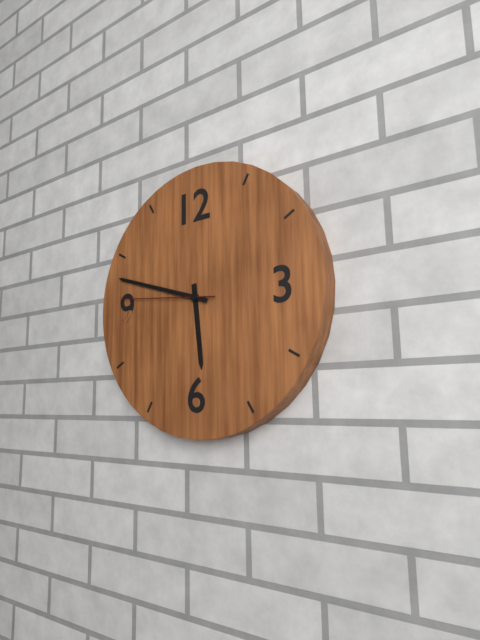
5:48:46
